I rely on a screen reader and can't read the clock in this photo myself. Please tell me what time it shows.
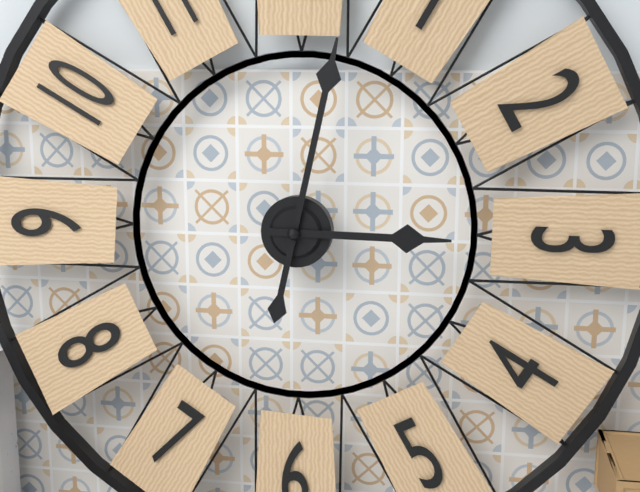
3:02
